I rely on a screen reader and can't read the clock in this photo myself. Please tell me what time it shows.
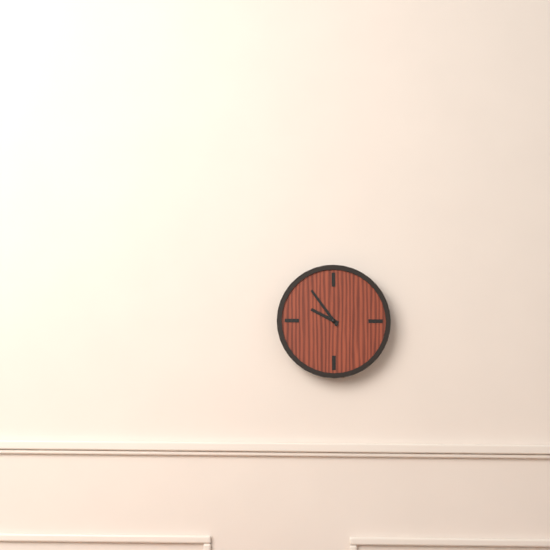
9:54
